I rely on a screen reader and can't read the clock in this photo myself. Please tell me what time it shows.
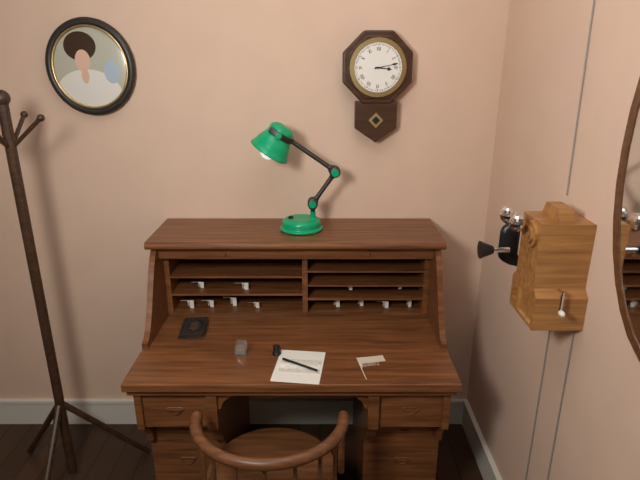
3:13
